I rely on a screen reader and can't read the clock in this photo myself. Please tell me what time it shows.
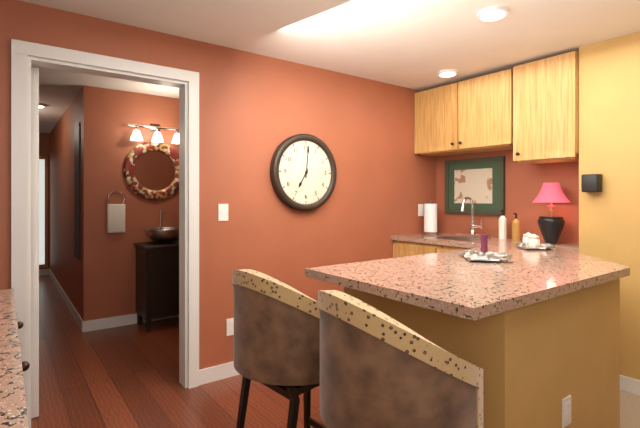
7:01
